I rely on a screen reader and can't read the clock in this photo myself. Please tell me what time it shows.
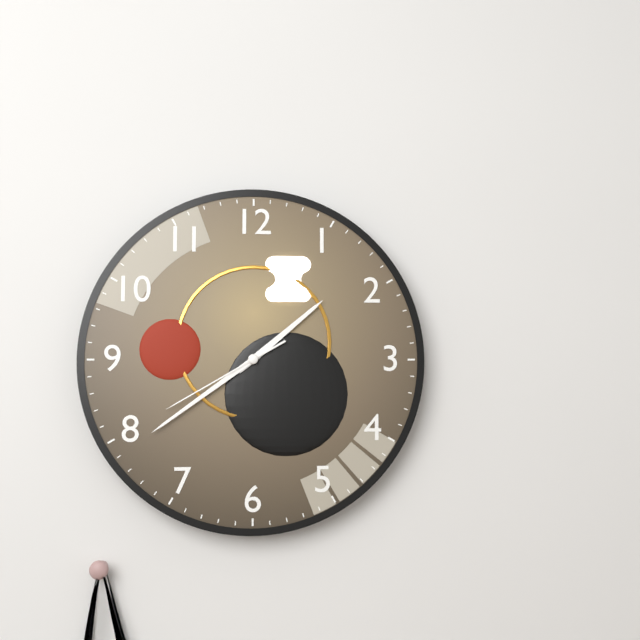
1:39:40
